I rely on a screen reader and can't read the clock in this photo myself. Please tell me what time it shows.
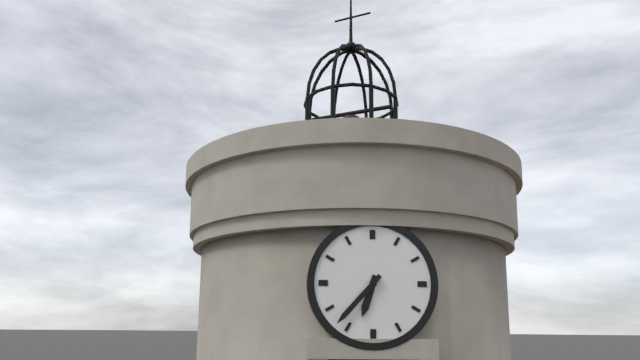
6:37
